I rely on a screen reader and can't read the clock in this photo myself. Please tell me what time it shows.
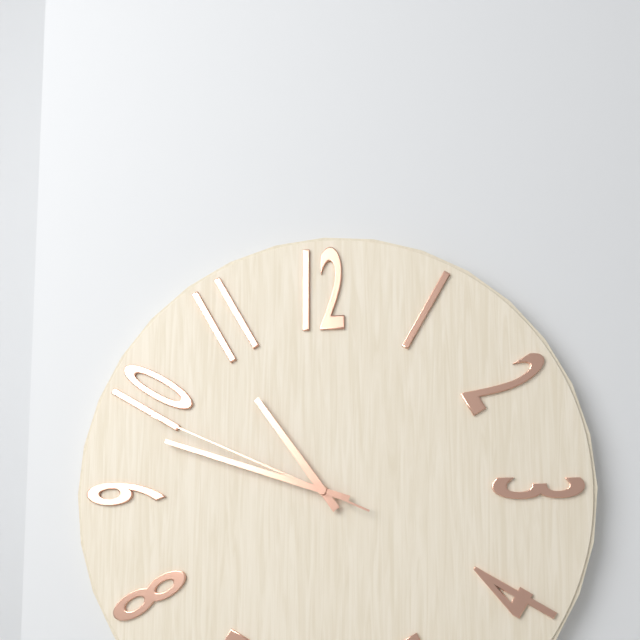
10:48:49
